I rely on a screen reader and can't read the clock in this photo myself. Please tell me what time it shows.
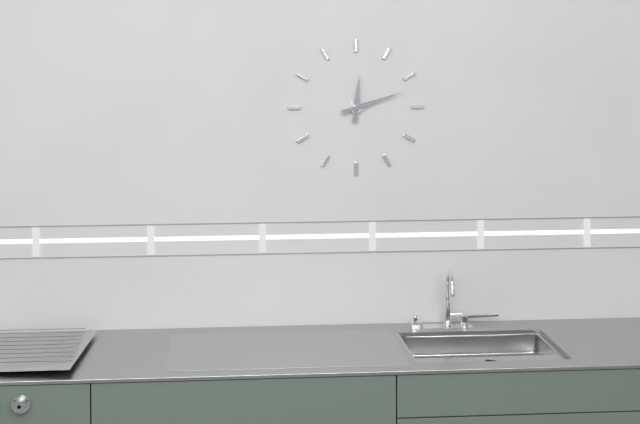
12:12
